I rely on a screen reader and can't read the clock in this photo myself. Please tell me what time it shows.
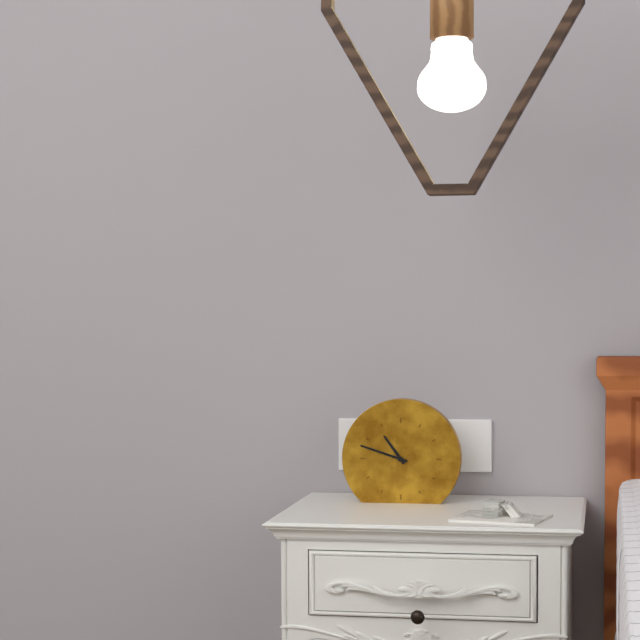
10:48
